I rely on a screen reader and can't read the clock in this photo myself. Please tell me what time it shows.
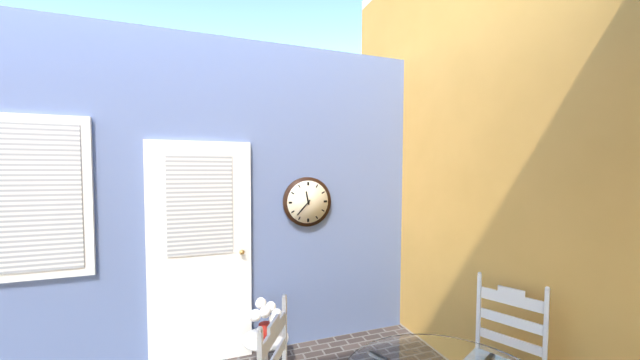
11:37
